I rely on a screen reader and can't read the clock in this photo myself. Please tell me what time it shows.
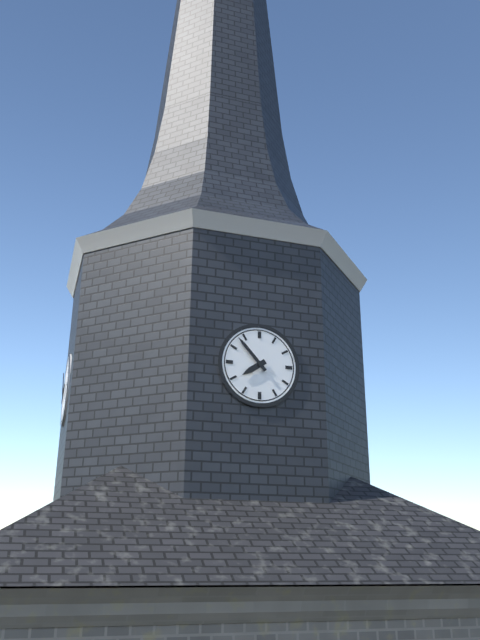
7:53
